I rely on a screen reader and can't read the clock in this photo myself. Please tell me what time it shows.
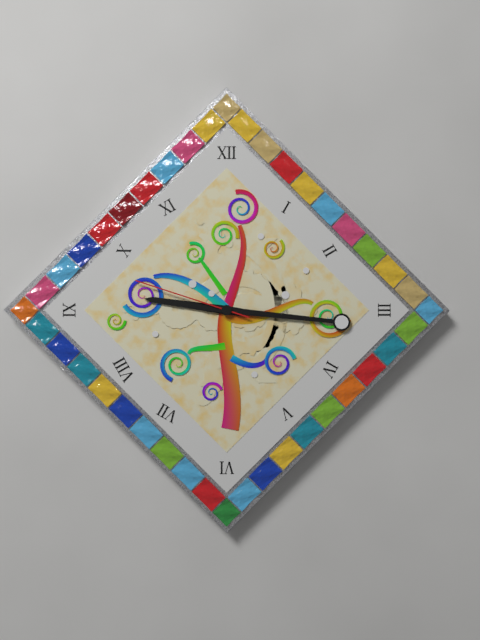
9:16:48
